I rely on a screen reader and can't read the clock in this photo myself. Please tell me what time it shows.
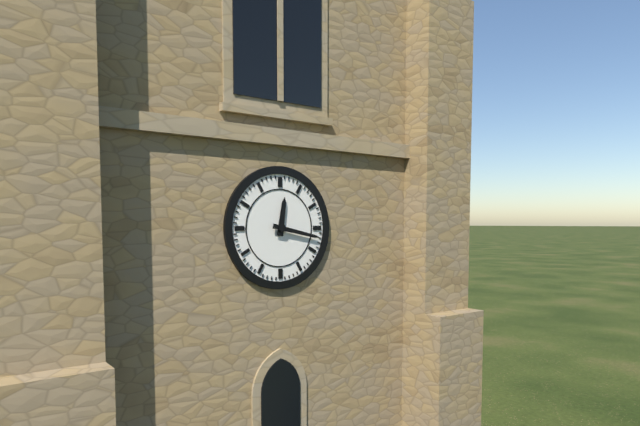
12:17
